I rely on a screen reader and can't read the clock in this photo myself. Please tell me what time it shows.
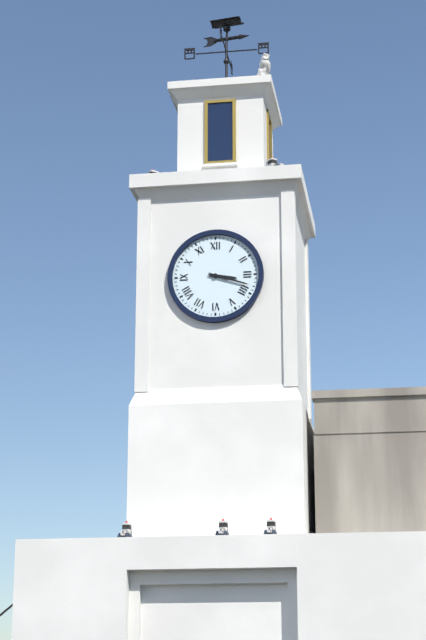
3:18
